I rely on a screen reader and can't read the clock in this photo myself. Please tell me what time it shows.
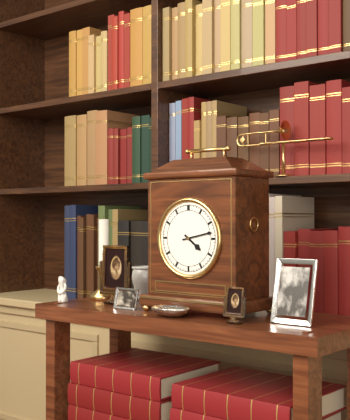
4:13
